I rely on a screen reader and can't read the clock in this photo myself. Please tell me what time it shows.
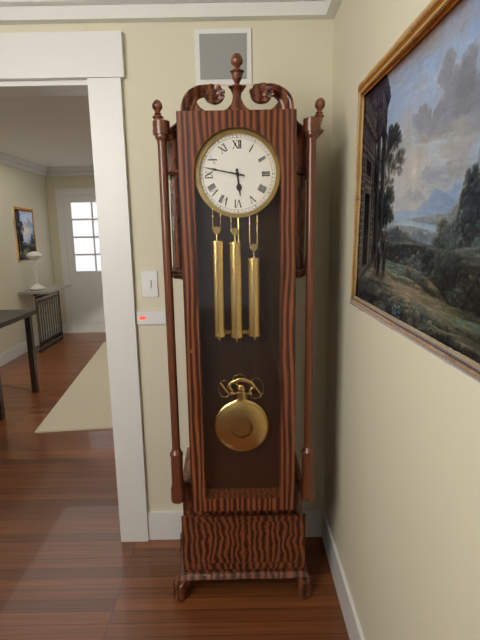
5:47
